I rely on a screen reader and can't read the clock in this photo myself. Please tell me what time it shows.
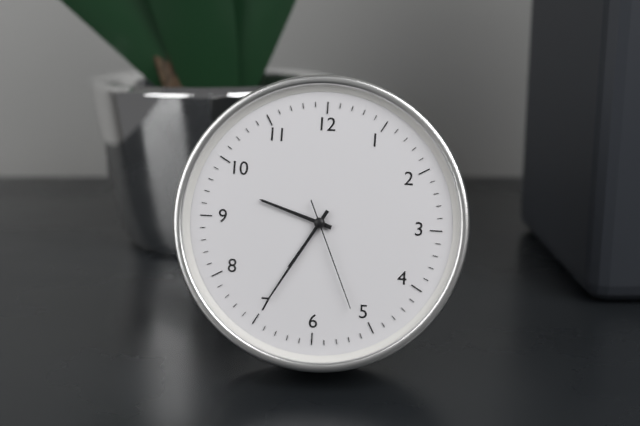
9:35:26
